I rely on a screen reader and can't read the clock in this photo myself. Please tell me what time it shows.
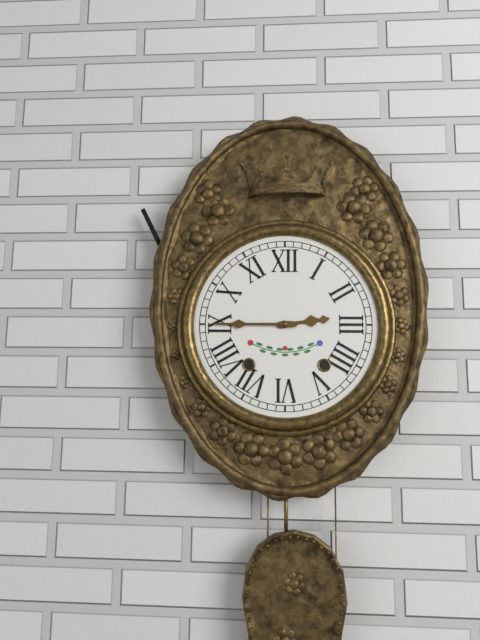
2:45
